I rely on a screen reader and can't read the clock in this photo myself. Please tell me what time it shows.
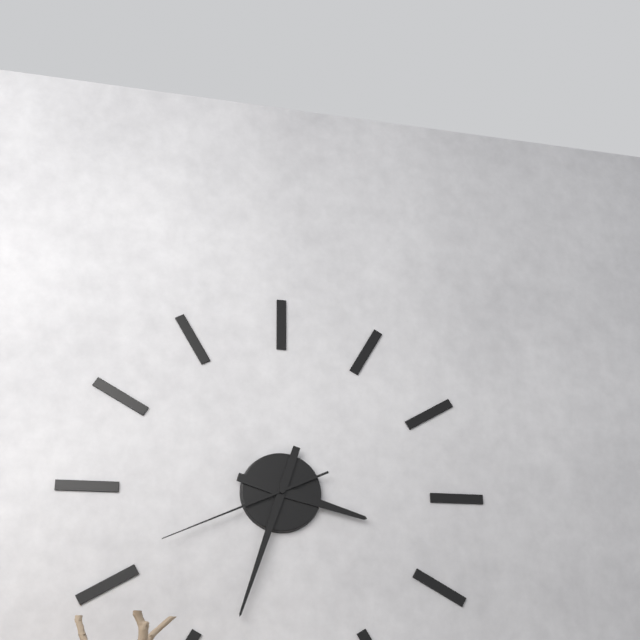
3:33:41
